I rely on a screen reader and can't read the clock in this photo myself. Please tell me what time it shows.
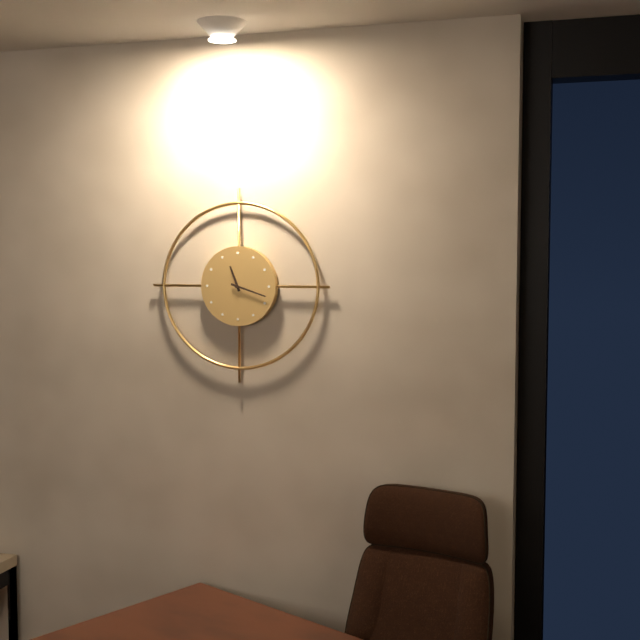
11:18
